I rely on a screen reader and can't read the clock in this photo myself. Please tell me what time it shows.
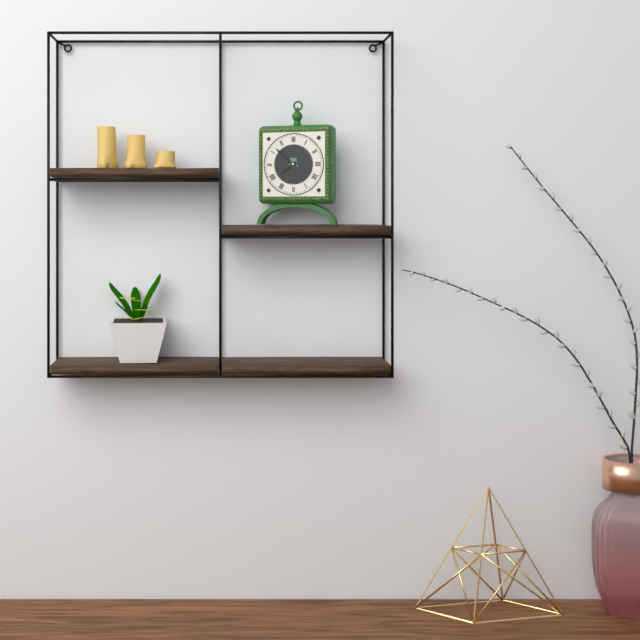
7:52
